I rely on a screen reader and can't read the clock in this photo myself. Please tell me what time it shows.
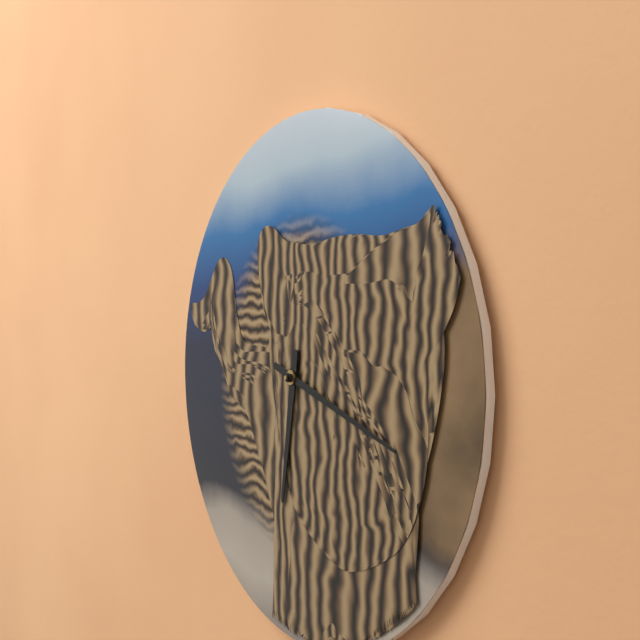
6:18
